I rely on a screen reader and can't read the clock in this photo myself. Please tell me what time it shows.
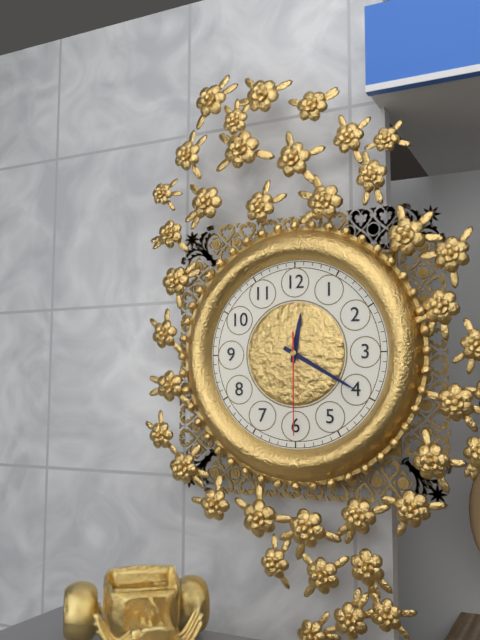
12:20:30
